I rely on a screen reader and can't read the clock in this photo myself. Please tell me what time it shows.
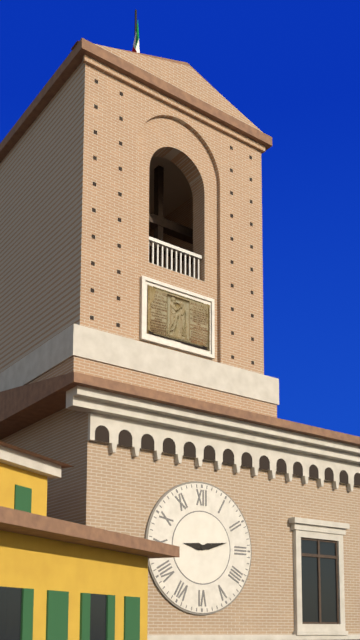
9:13
